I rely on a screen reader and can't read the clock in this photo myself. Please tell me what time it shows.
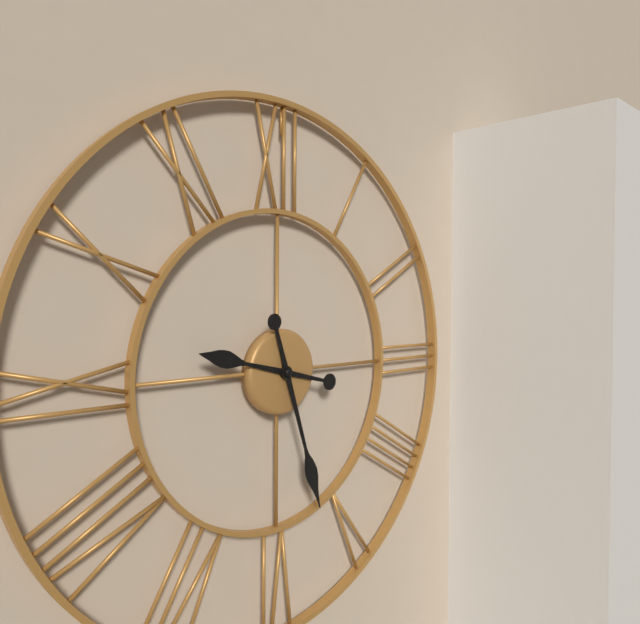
9:27
